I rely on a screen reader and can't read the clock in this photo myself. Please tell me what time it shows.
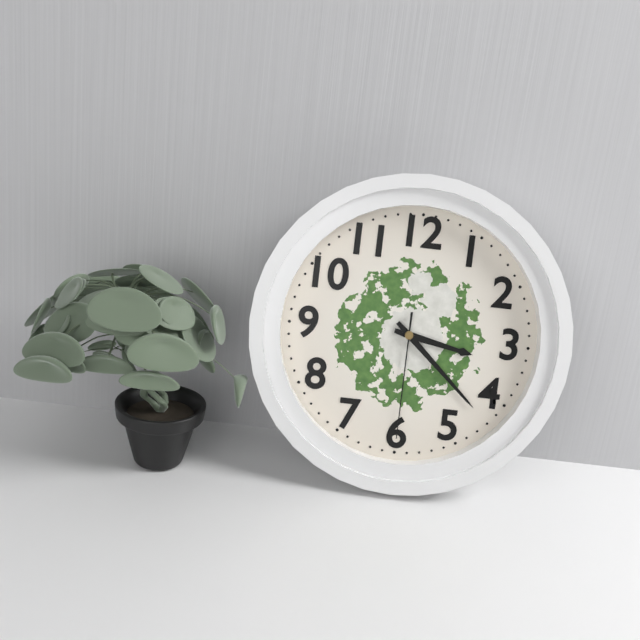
3:22:30
